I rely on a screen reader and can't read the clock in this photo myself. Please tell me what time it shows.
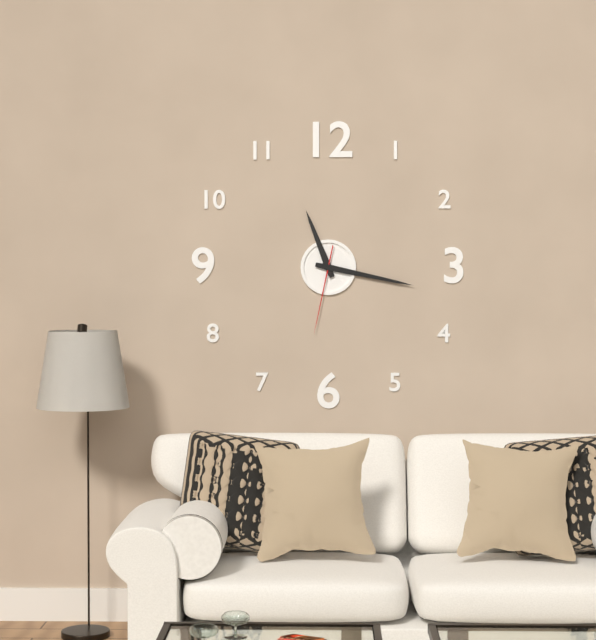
11:17:32
